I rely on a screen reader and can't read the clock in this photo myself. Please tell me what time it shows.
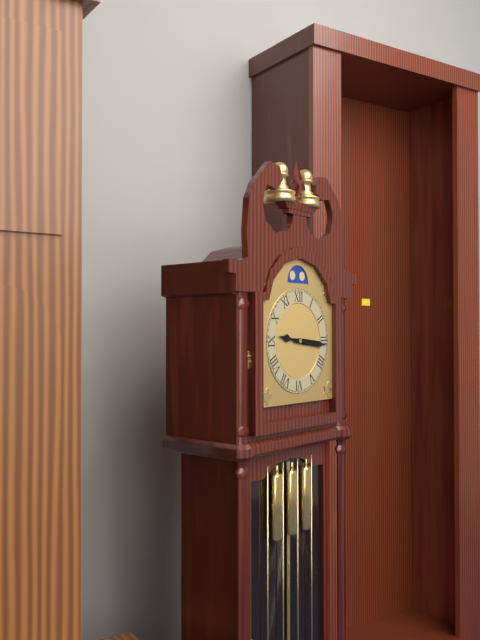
9:16
